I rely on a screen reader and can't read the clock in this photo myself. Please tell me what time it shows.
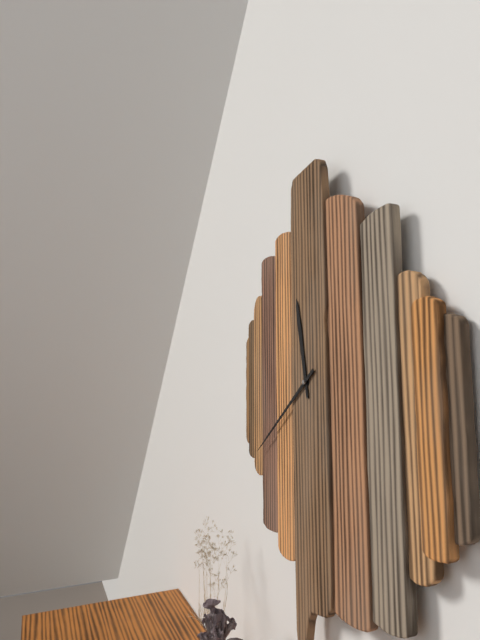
11:39
